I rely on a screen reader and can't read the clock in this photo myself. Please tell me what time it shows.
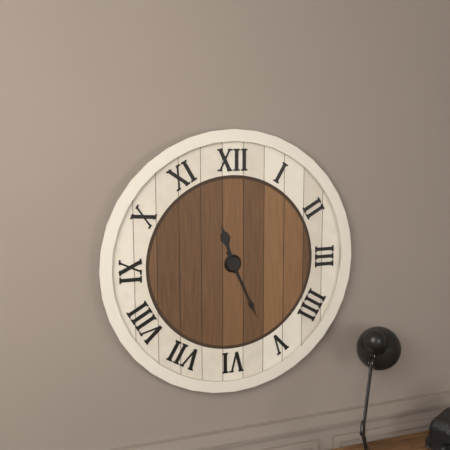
11:26
